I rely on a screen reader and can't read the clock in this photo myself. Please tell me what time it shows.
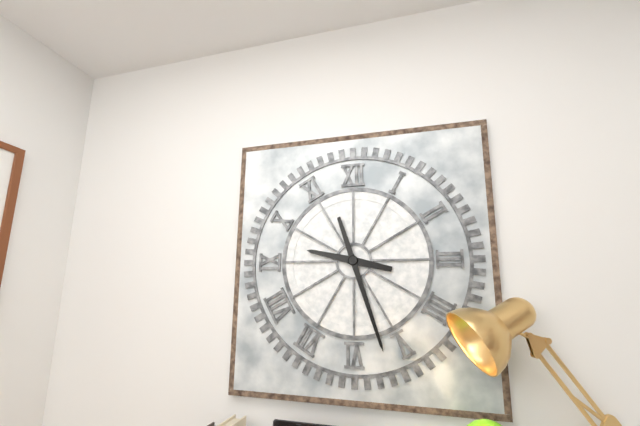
9:27
